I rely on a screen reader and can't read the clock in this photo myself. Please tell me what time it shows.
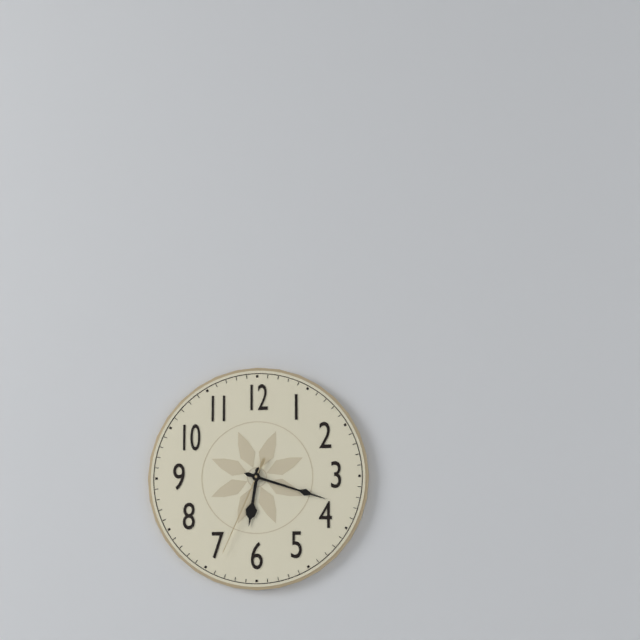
6:18:34
